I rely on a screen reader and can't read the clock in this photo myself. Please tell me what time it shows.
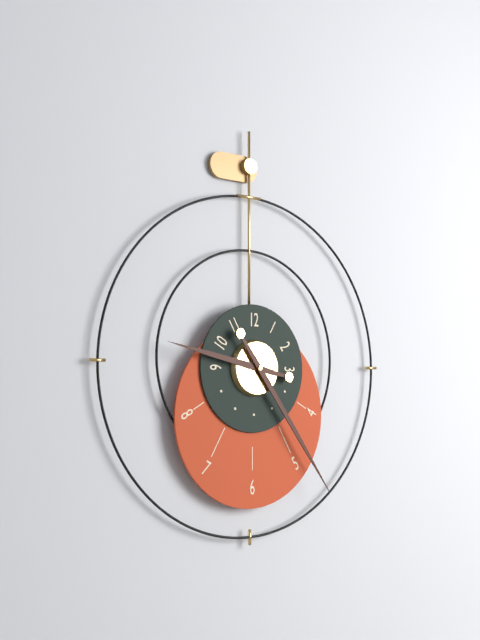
9:24
